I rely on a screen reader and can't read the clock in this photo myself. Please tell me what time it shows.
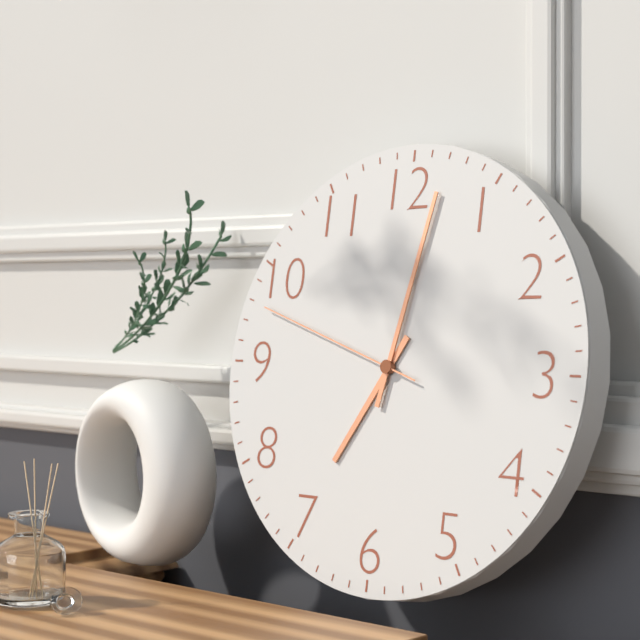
7:02:48
